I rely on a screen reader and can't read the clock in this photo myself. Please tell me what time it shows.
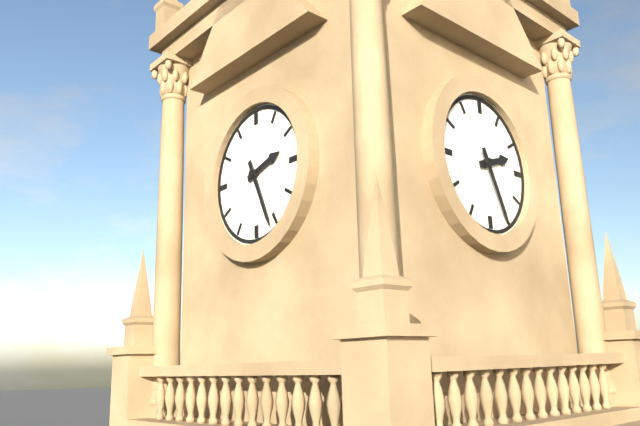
2:26
